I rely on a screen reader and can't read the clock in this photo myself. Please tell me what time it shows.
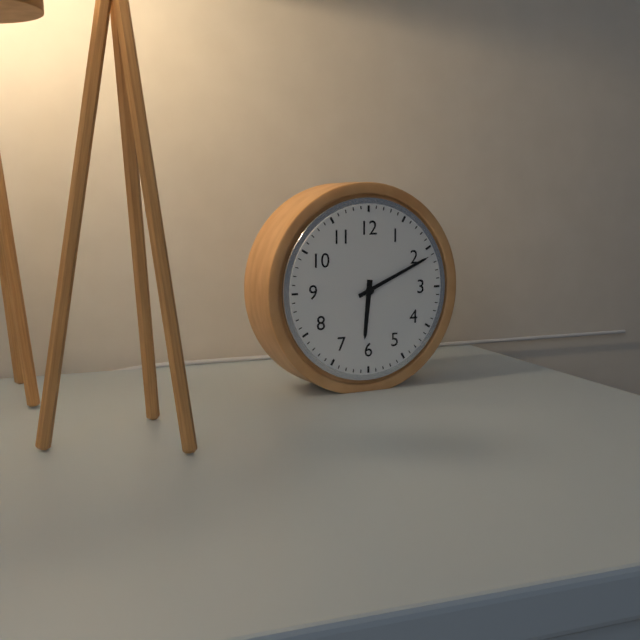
6:11
